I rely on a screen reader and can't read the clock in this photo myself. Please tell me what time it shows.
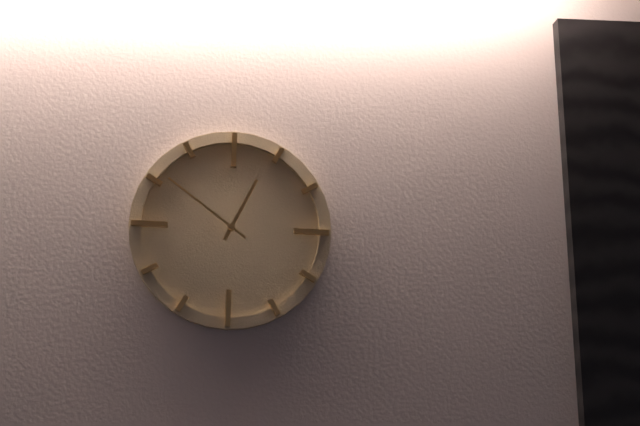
12:51
